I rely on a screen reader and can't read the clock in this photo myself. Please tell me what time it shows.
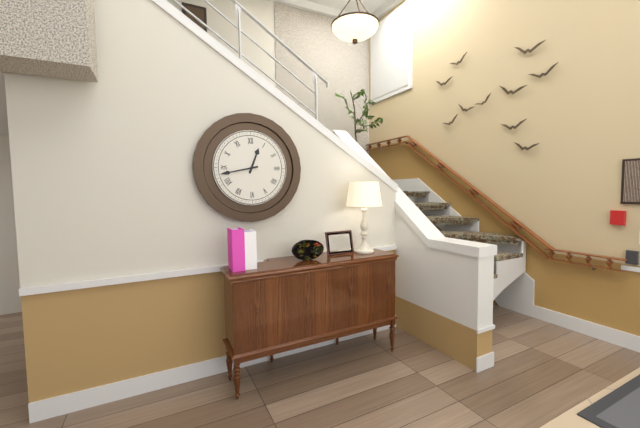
12:43
